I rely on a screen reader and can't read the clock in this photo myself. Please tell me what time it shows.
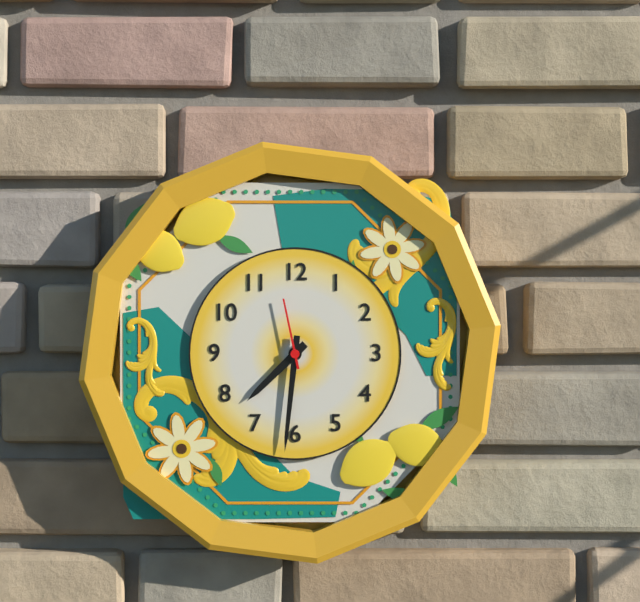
7:31:58
